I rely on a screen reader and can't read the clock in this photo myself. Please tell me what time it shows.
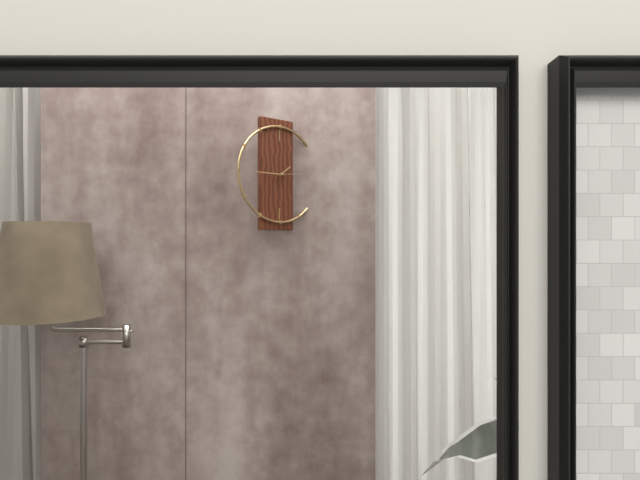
1:45
